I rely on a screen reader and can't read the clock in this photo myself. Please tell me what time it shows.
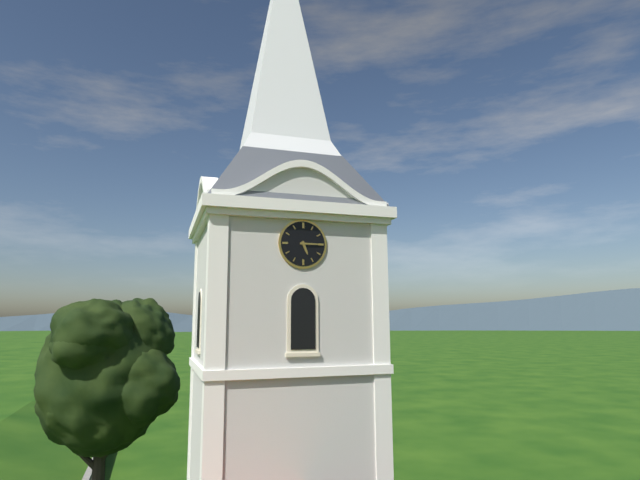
5:15
